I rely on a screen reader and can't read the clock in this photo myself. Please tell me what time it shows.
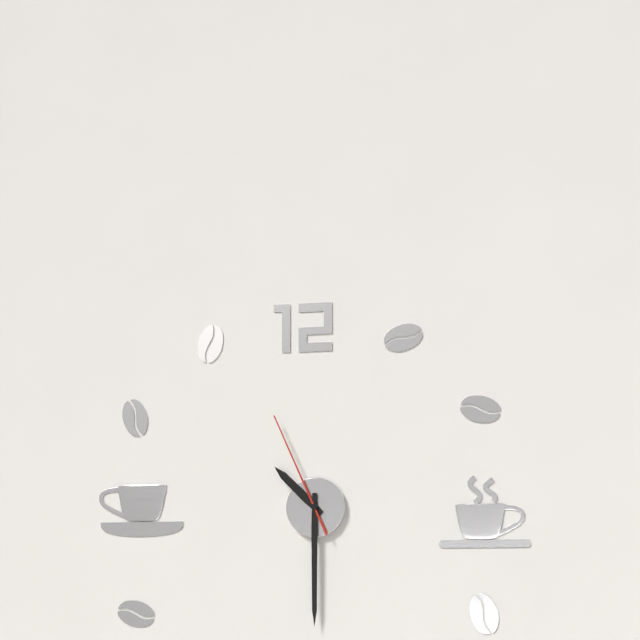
10:30:56
